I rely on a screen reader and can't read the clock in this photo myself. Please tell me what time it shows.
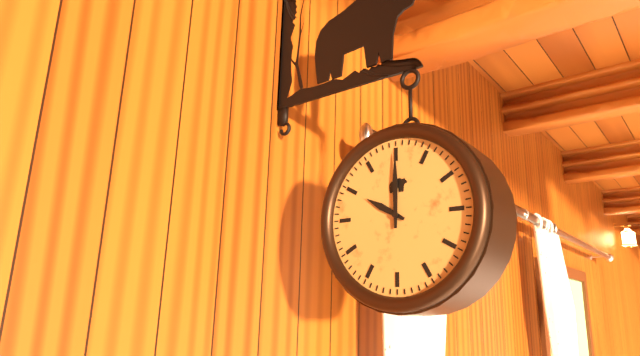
10:00
